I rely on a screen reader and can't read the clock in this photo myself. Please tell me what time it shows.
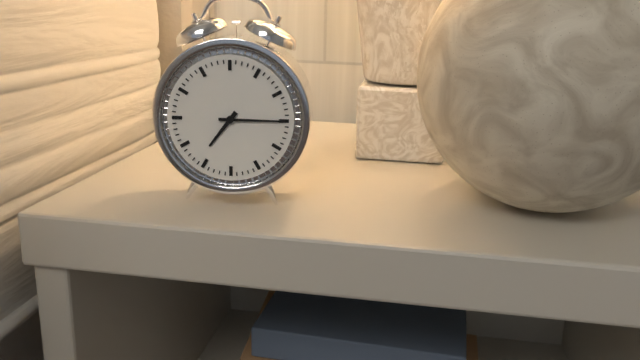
7:15
